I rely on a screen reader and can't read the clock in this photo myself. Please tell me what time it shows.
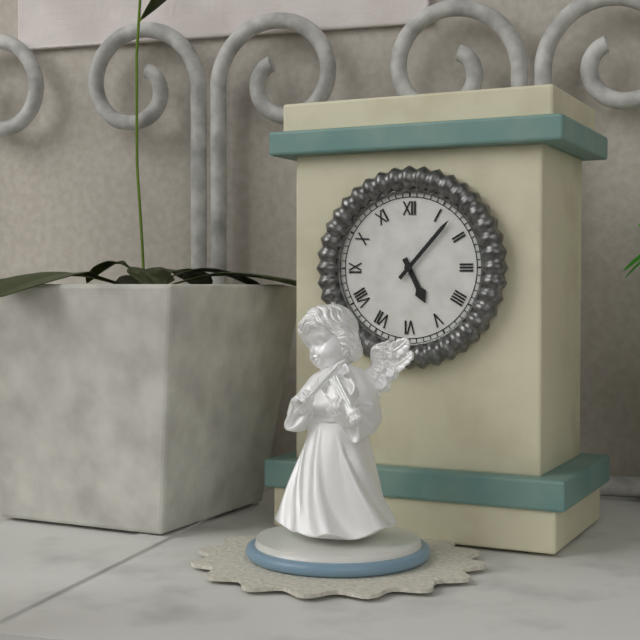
5:07
